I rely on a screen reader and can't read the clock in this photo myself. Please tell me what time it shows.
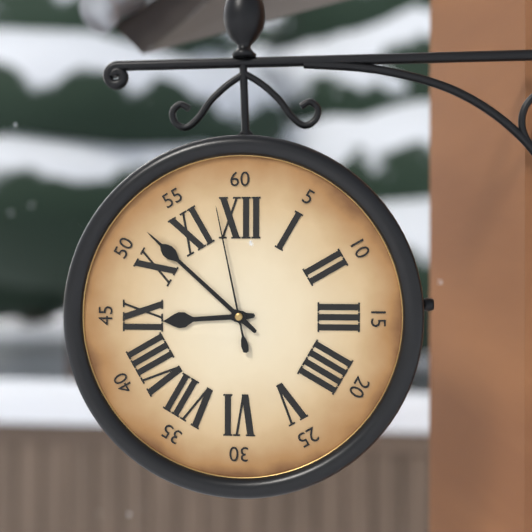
8:52:58
